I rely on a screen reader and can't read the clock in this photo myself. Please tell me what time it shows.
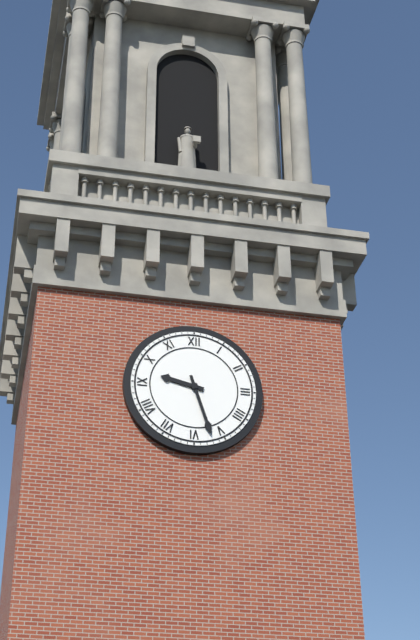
9:27
